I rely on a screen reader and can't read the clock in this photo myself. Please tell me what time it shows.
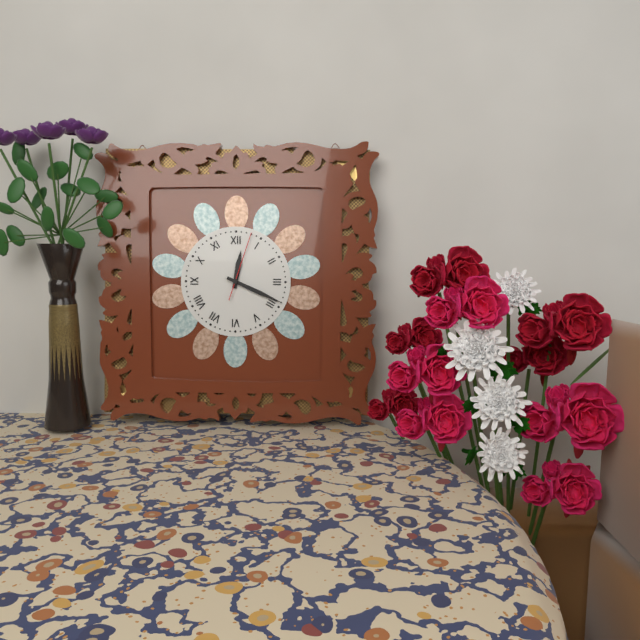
12:19:03
